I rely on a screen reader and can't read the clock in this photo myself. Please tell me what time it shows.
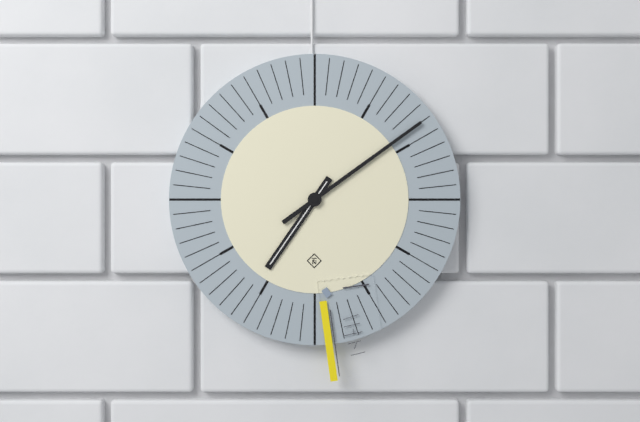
7:09
